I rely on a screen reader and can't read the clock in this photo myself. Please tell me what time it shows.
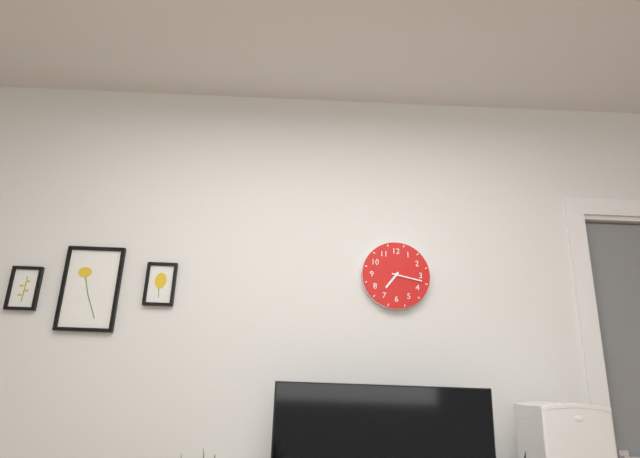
7:17
